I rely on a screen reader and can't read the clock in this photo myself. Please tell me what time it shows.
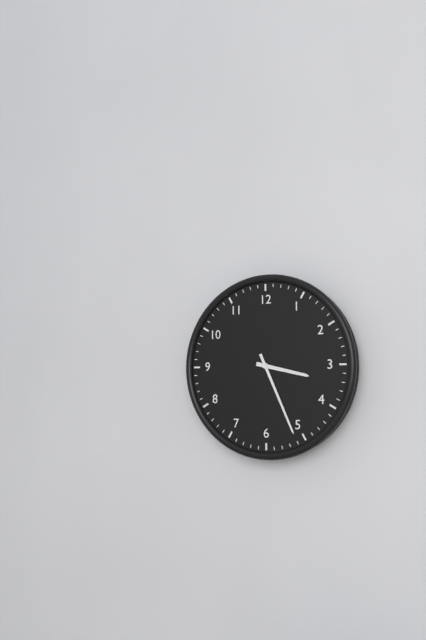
3:26
